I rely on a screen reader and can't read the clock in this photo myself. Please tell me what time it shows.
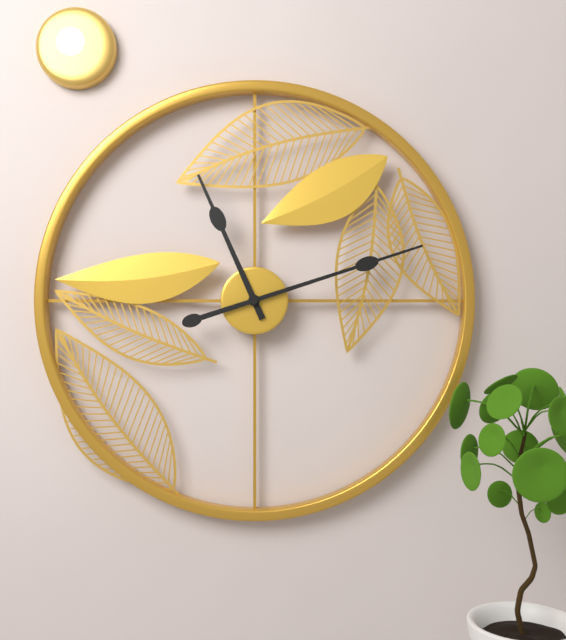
11:12
